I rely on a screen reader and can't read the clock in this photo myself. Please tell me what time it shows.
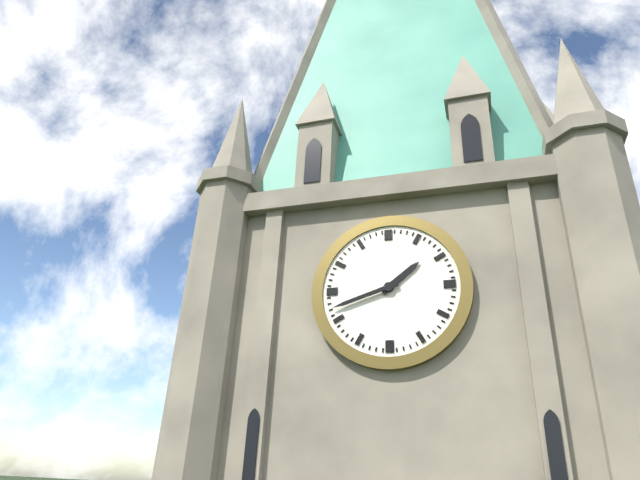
1:42
